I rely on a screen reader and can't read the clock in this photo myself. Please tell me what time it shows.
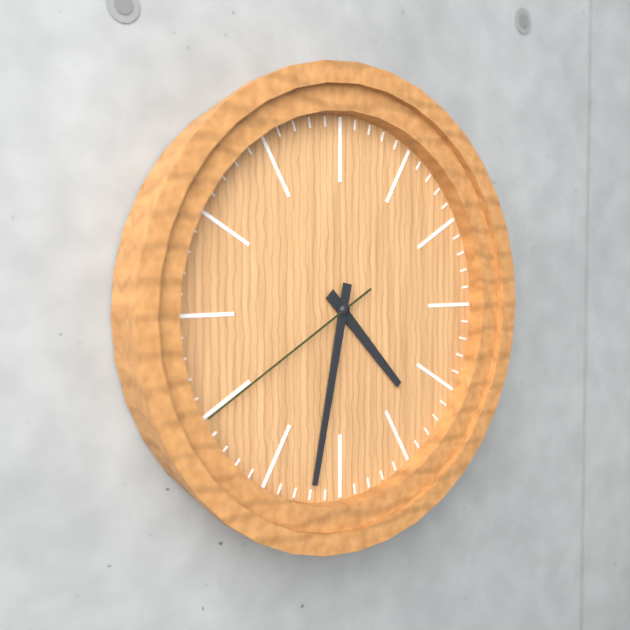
4:32:40
